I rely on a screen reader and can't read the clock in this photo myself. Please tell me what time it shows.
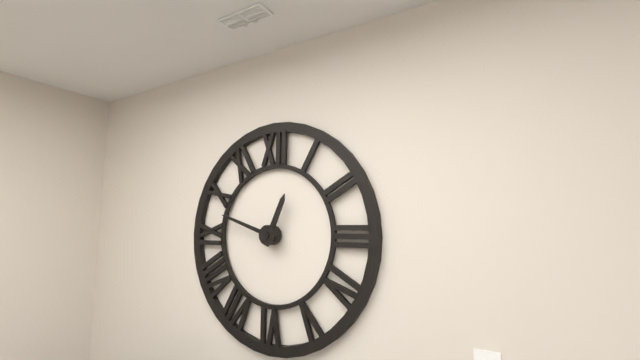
12:48
